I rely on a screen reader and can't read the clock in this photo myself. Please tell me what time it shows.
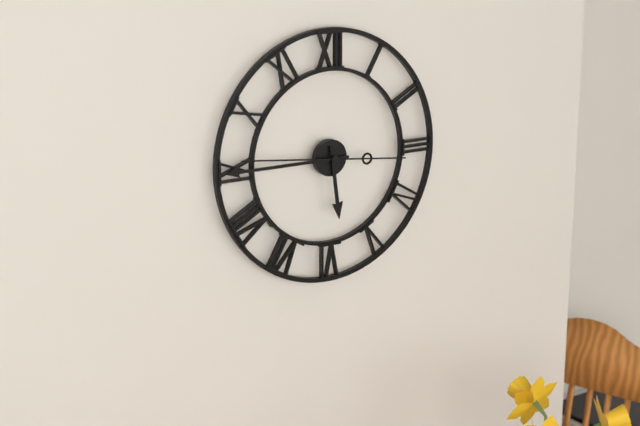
5:45:46
